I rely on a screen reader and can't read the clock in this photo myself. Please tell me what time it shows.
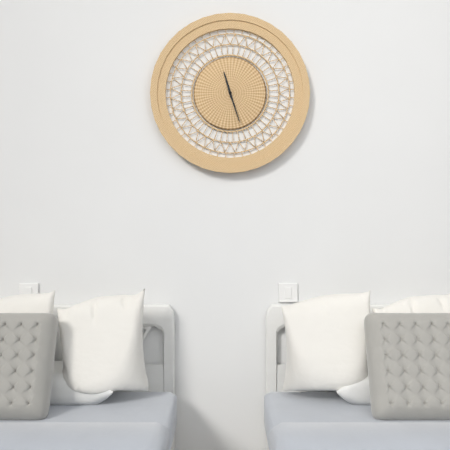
11:27
